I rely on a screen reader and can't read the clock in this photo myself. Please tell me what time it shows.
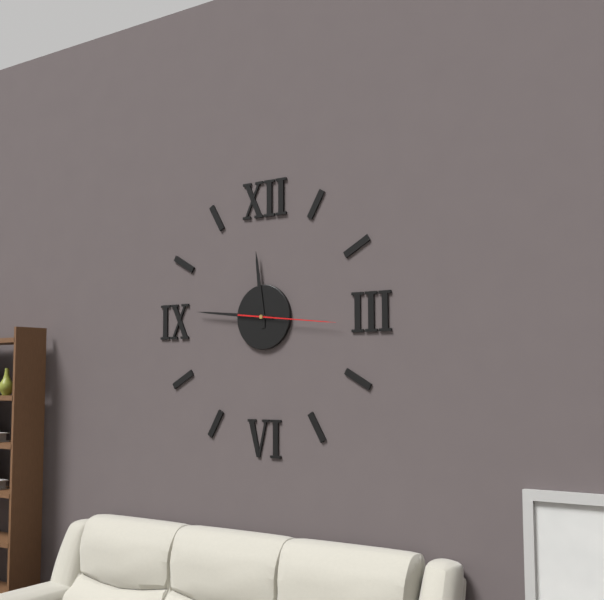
11:46:16
